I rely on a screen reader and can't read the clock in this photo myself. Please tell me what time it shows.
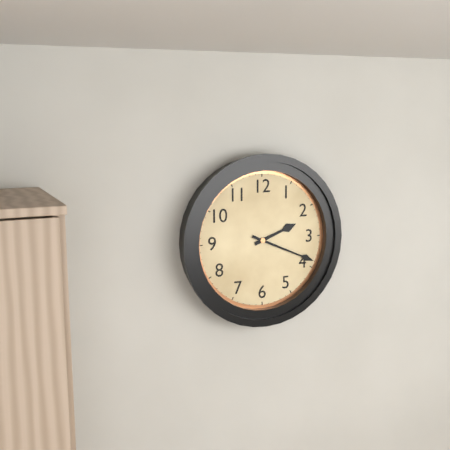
2:19
